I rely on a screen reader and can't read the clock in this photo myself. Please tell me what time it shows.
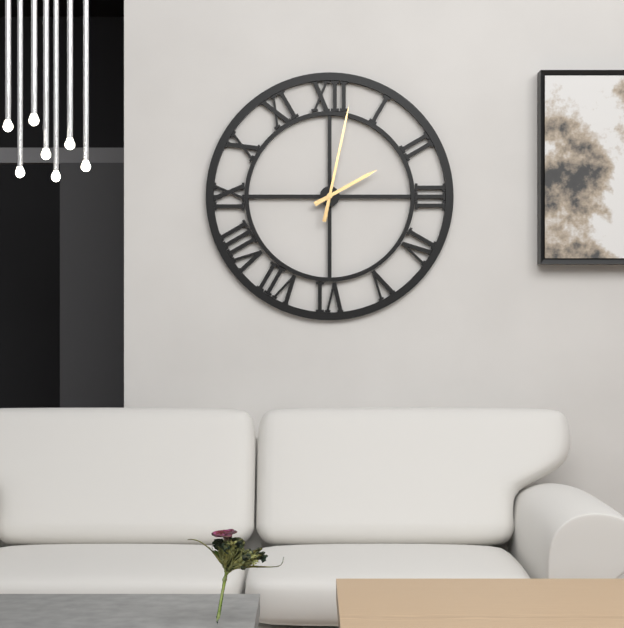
2:02
